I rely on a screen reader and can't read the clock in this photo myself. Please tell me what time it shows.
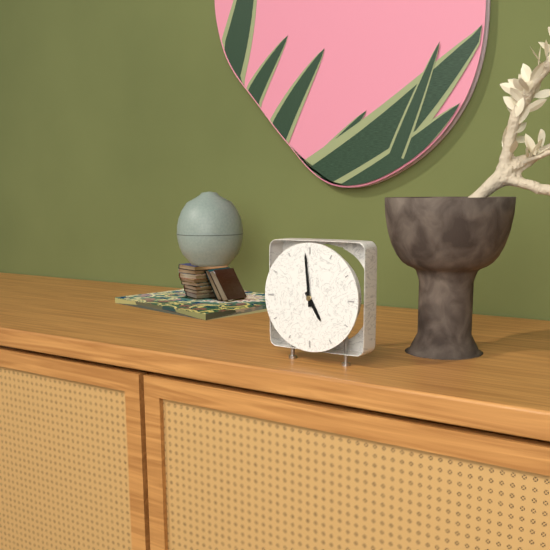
4:59
